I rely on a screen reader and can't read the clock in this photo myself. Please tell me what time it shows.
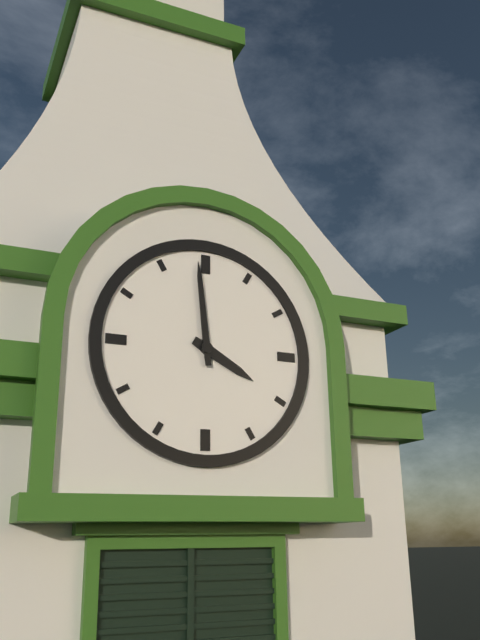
3:59
